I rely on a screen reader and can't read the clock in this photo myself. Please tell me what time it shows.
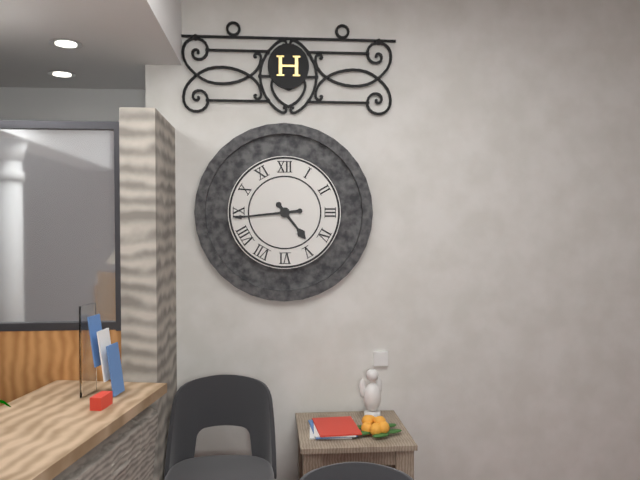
4:44
